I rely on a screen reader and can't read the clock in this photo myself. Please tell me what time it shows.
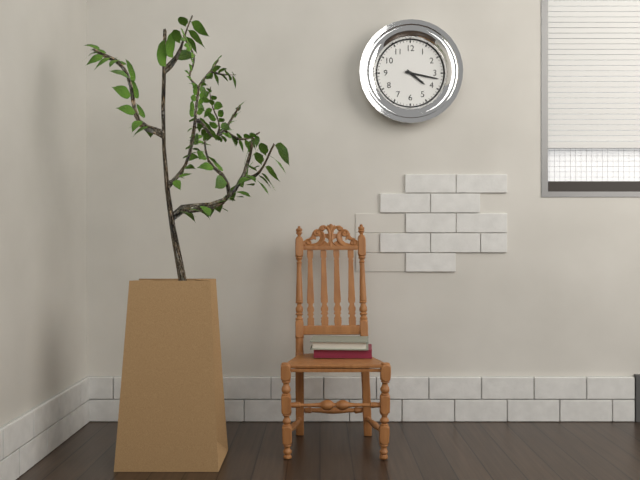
4:17
